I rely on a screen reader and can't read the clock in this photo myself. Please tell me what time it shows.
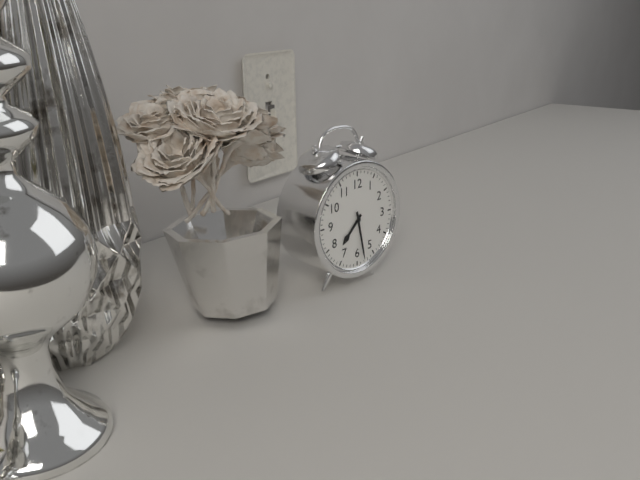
7:28
